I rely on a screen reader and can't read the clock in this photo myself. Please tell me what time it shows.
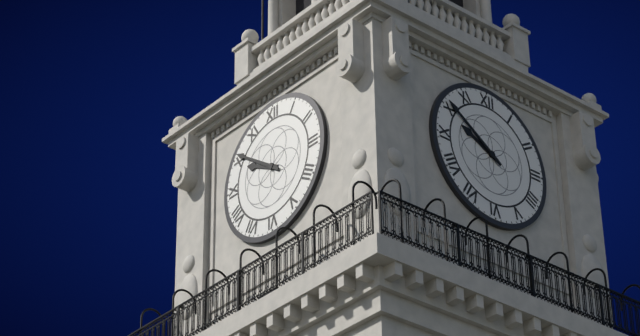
9:51
